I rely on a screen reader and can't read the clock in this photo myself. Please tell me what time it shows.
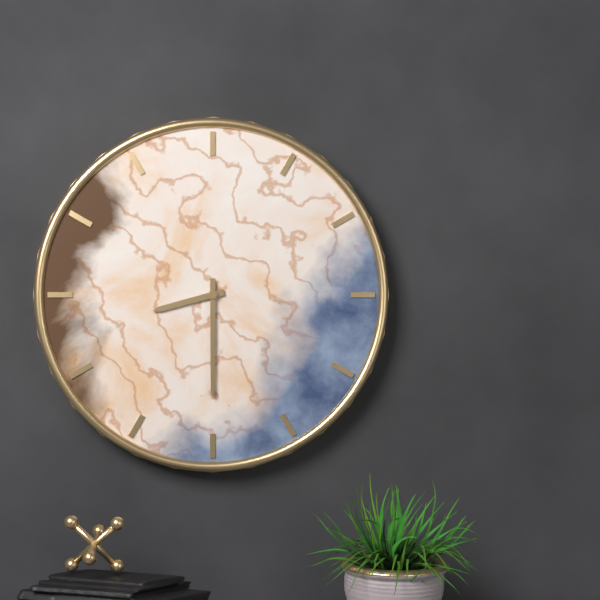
8:30
